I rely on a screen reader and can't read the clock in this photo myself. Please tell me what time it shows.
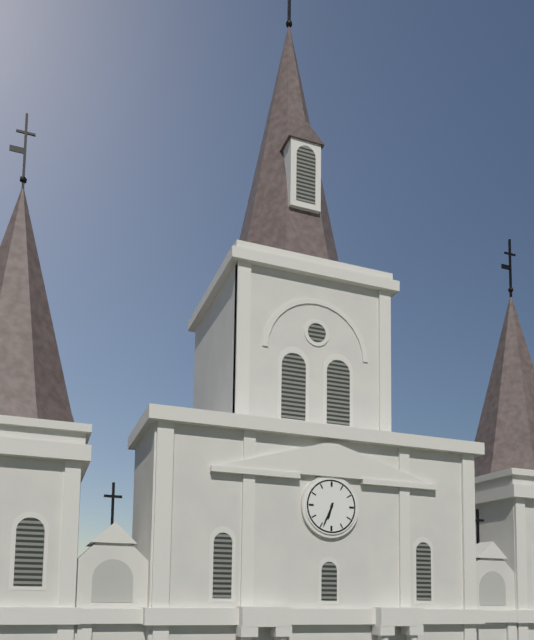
6:34
